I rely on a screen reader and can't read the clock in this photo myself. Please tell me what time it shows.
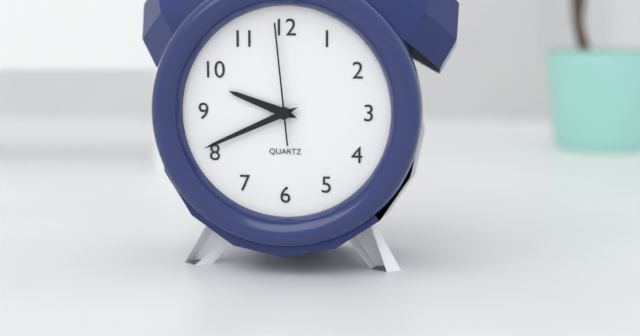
9:41:59
